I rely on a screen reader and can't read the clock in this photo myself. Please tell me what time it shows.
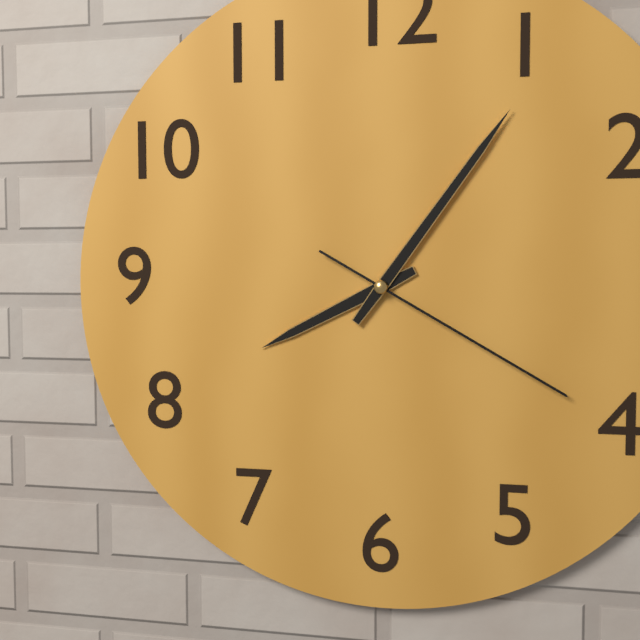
8:06:20
